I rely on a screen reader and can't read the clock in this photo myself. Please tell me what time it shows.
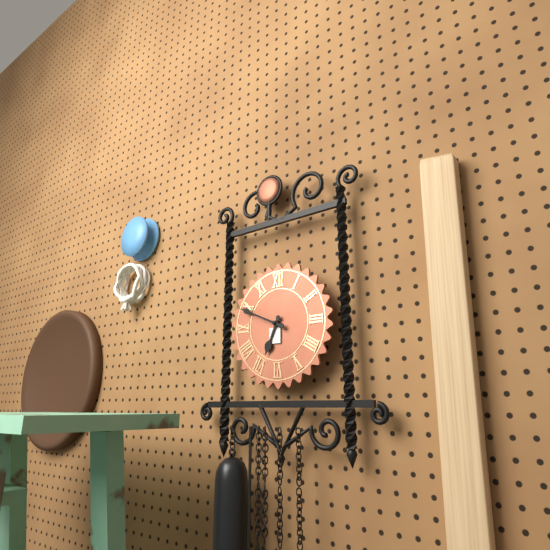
6:49
